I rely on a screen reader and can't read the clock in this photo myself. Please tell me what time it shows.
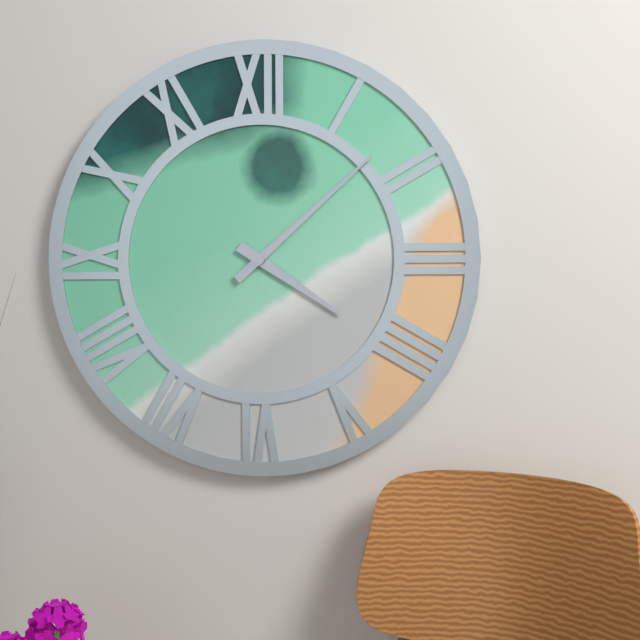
4:08
